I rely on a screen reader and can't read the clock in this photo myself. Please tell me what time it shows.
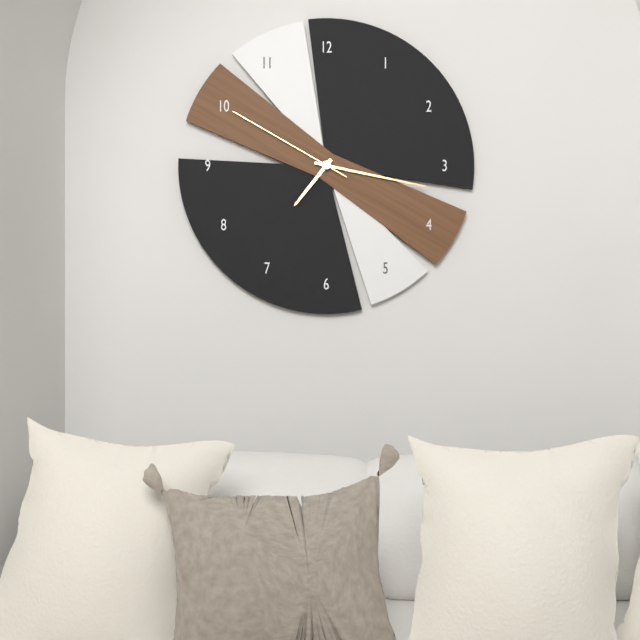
7:17:50
